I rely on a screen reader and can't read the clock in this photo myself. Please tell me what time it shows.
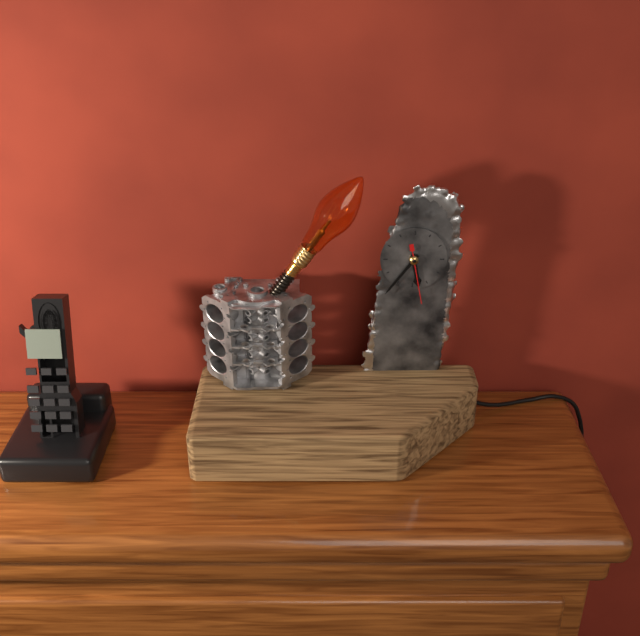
5:36:28
